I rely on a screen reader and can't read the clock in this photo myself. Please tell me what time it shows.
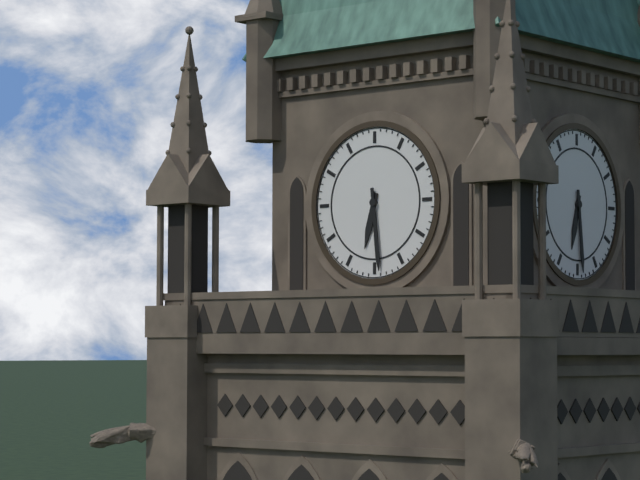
6:29
